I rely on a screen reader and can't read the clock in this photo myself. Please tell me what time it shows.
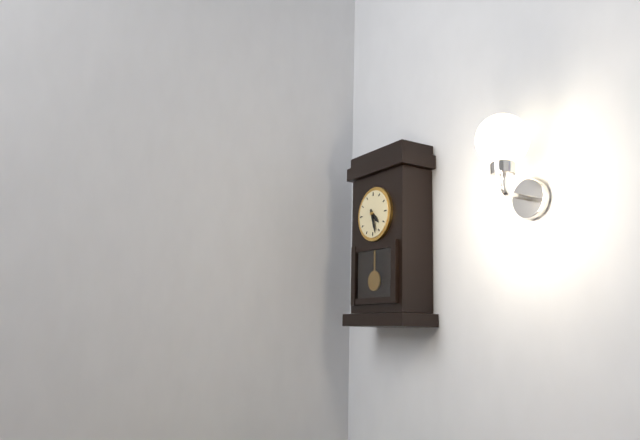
4:27
